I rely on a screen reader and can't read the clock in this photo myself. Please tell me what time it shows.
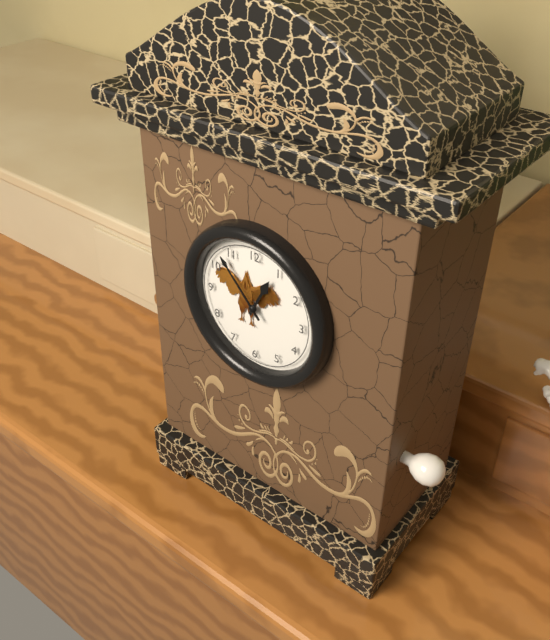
12:53
